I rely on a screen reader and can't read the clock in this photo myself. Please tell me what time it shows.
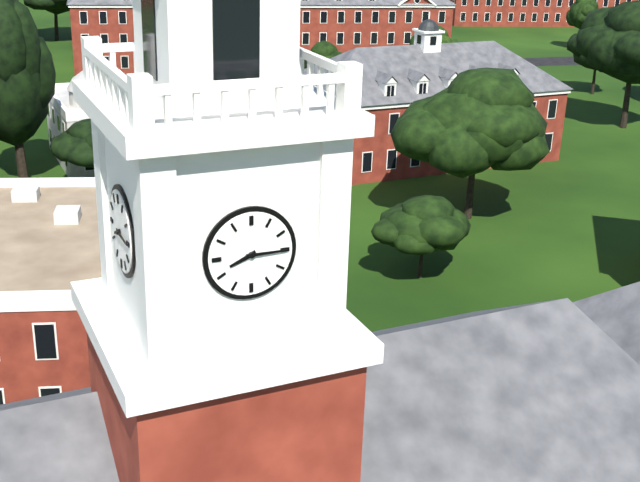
8:15
